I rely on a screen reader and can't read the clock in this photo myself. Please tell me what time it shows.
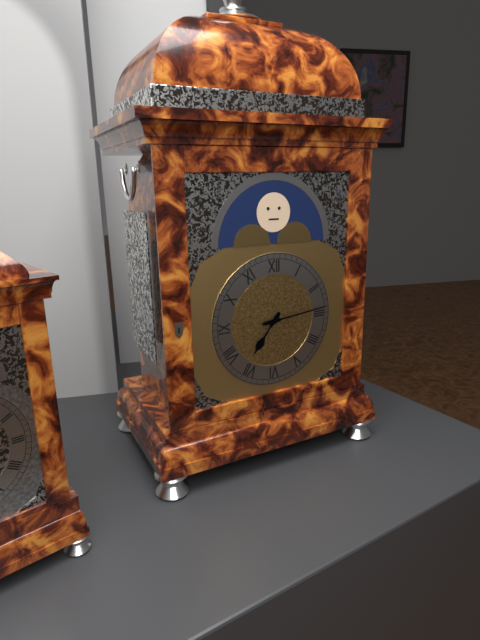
7:14
